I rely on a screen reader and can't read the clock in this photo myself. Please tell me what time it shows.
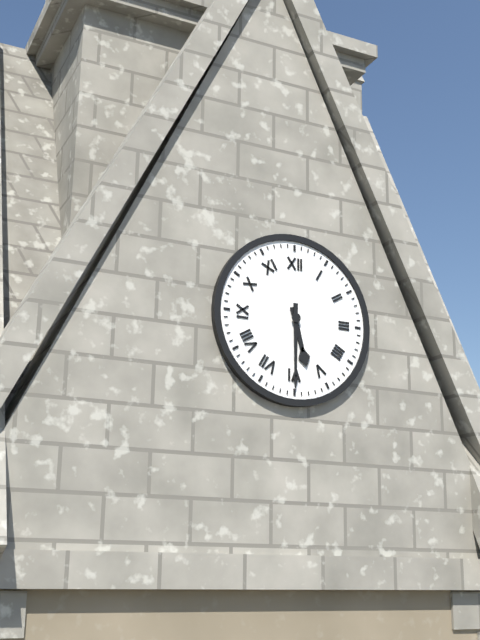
5:30
